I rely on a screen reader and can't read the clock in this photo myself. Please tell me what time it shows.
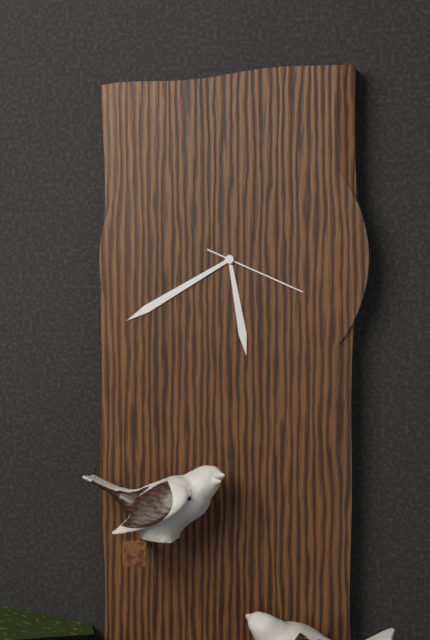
5:40:19
